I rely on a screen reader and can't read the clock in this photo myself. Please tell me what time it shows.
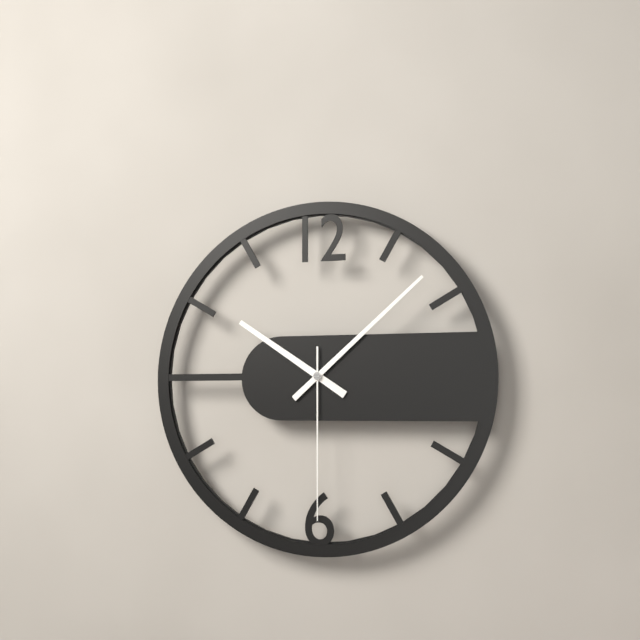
10:08:30
